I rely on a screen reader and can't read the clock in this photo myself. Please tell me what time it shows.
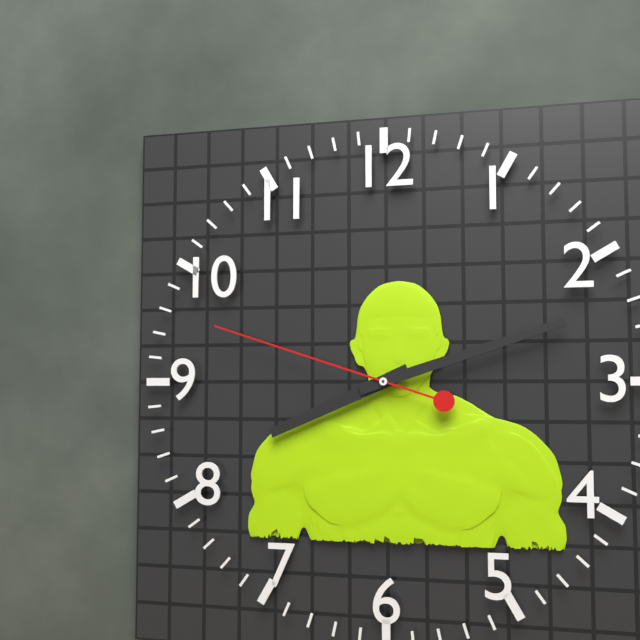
8:12:48
